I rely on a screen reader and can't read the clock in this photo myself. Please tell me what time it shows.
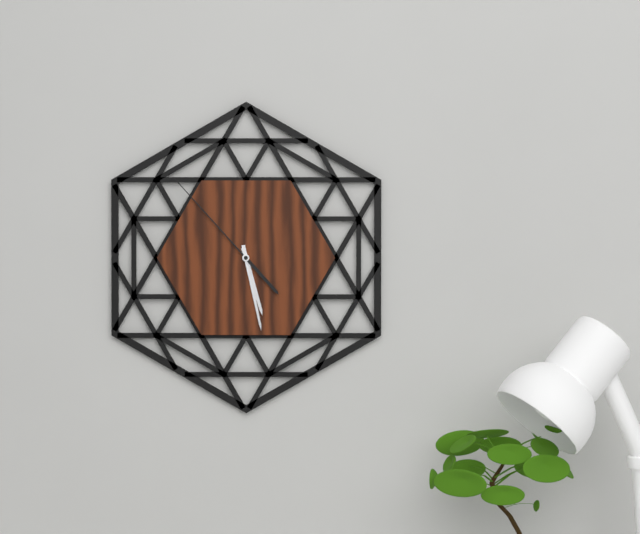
5:28:53
